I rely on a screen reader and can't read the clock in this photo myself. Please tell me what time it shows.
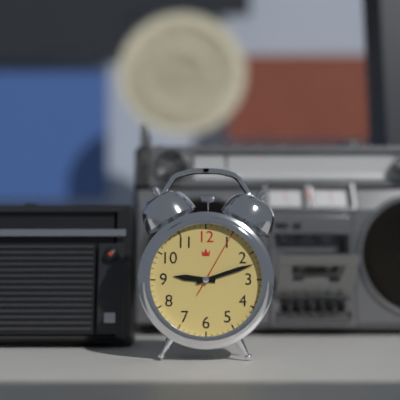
9:12:05
